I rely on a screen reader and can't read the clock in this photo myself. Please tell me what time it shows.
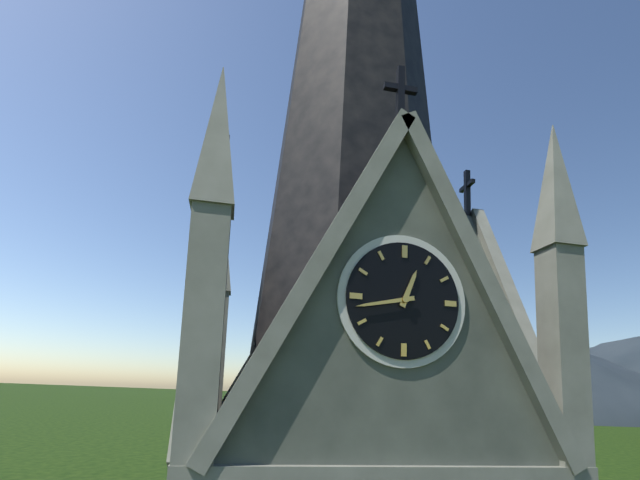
12:43
